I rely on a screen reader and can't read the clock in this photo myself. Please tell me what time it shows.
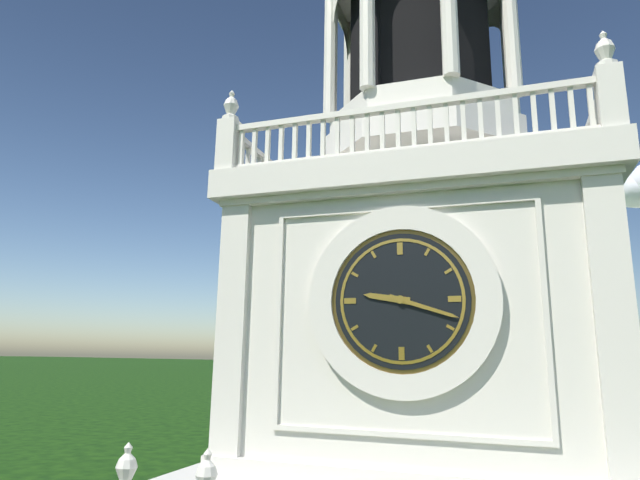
9:18
